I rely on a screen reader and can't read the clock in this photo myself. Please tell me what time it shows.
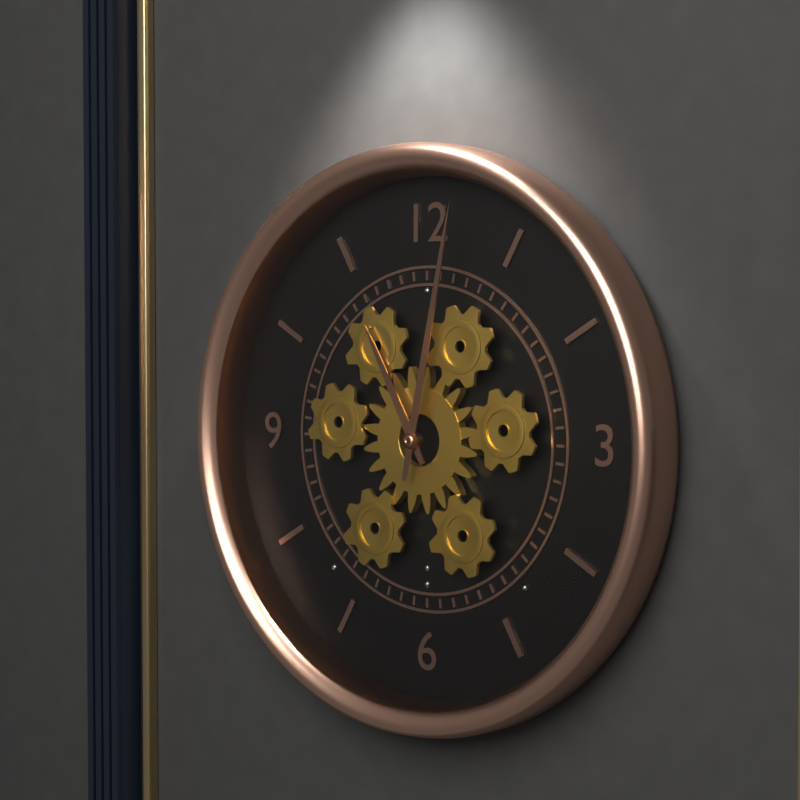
11:02
